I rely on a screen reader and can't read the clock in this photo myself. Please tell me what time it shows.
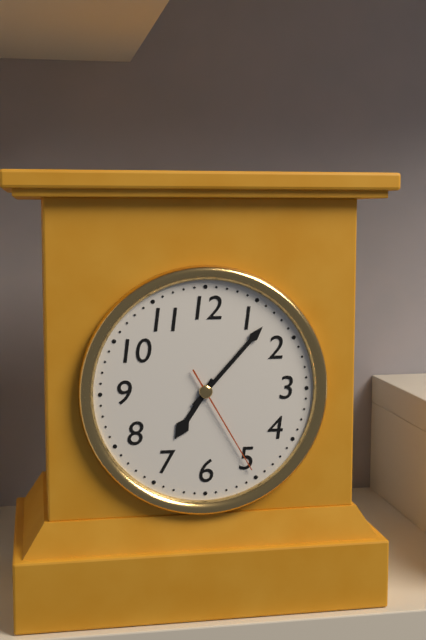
7:07:25
